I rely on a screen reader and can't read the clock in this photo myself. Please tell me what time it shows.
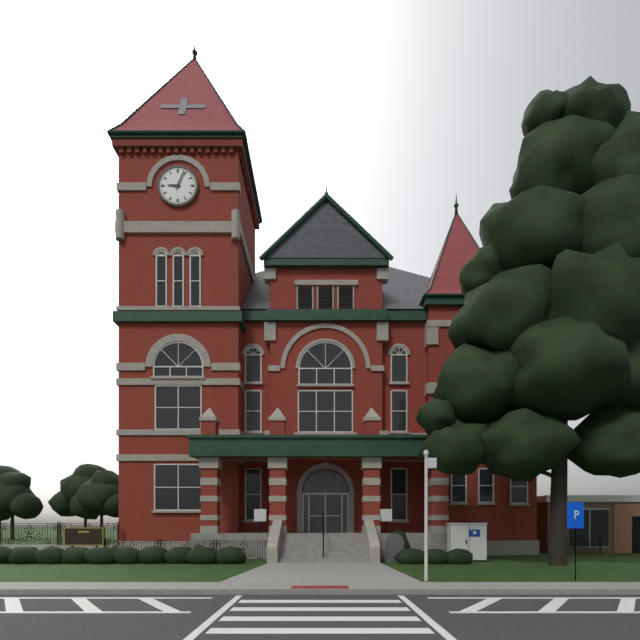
9:04
